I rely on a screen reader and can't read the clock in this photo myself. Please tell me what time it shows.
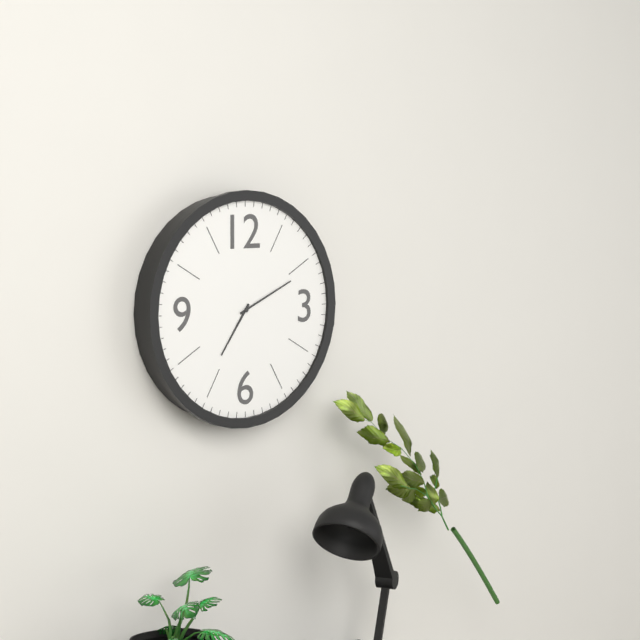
7:11
